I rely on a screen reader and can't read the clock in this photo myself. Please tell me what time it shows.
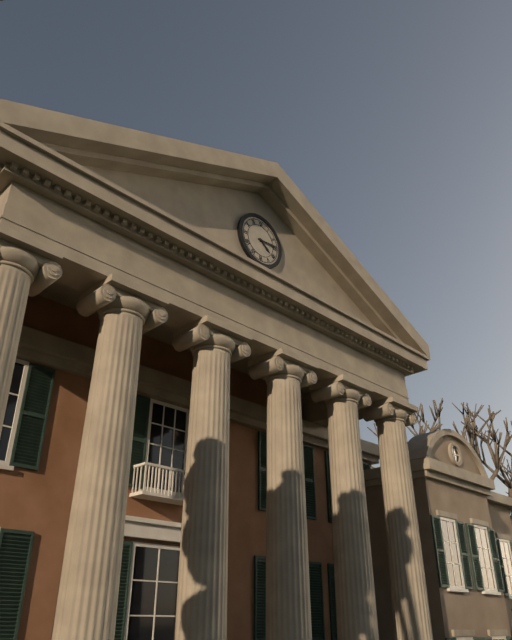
4:14
